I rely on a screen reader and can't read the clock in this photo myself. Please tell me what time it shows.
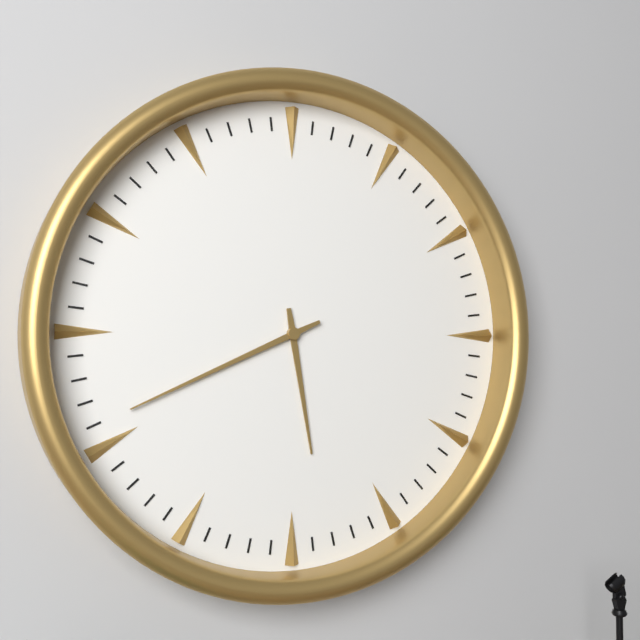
5:41
